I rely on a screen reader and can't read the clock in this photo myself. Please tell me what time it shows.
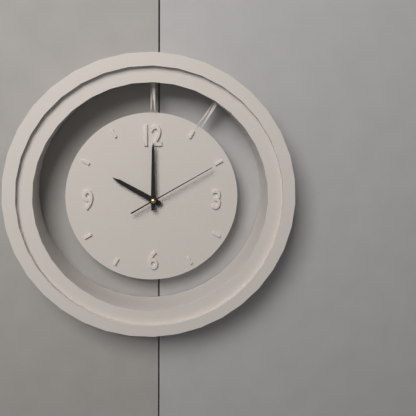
10:00:10
